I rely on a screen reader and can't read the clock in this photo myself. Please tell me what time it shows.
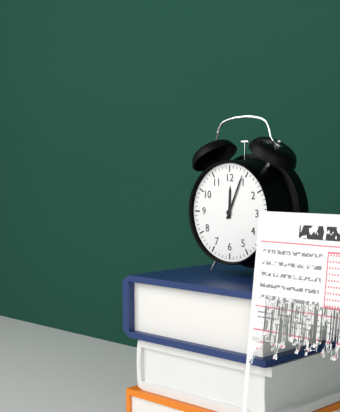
12:04
